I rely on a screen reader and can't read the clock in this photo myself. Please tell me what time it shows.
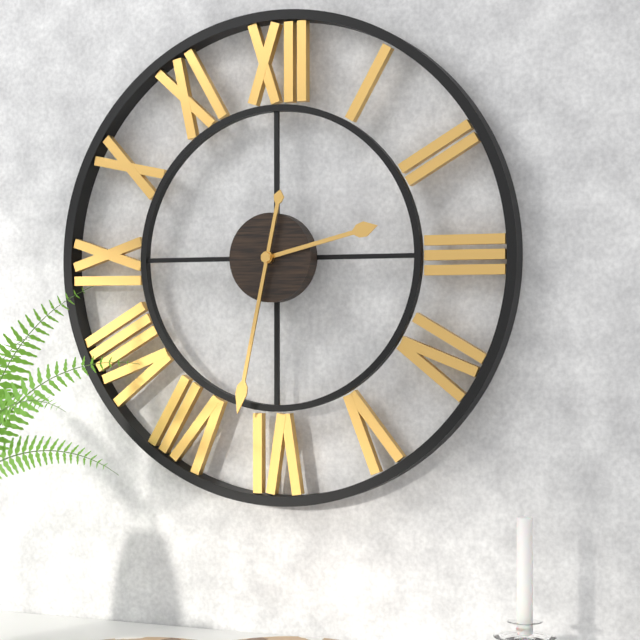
2:32
